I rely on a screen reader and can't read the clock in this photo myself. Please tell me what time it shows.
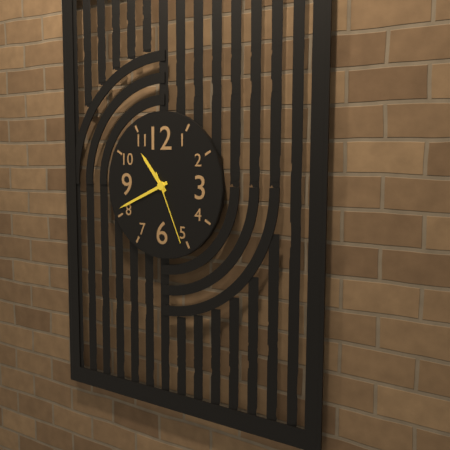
10:41:26
